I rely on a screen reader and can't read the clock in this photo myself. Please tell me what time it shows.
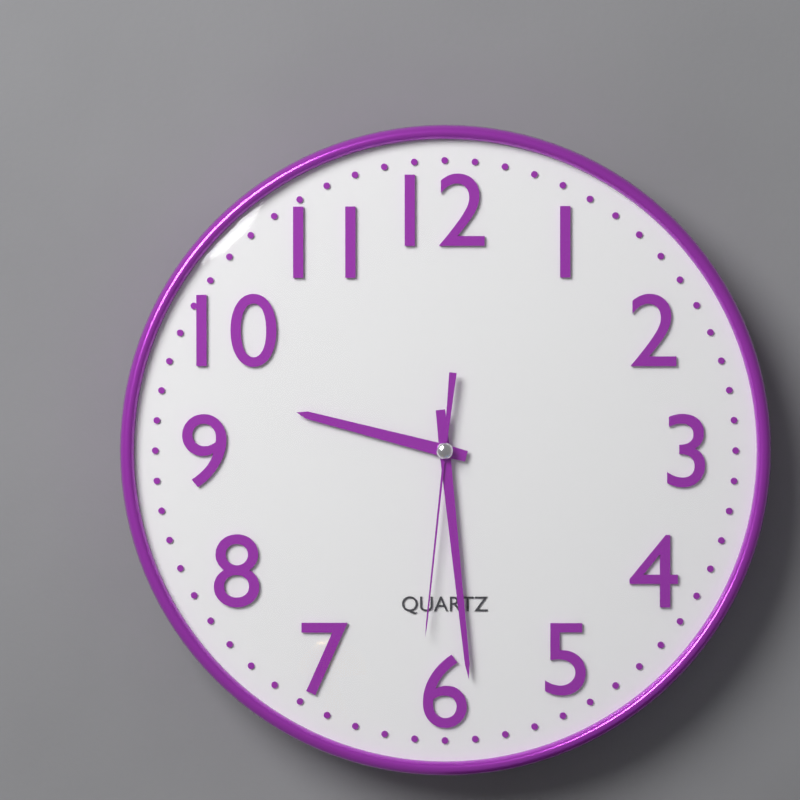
9:29:31
